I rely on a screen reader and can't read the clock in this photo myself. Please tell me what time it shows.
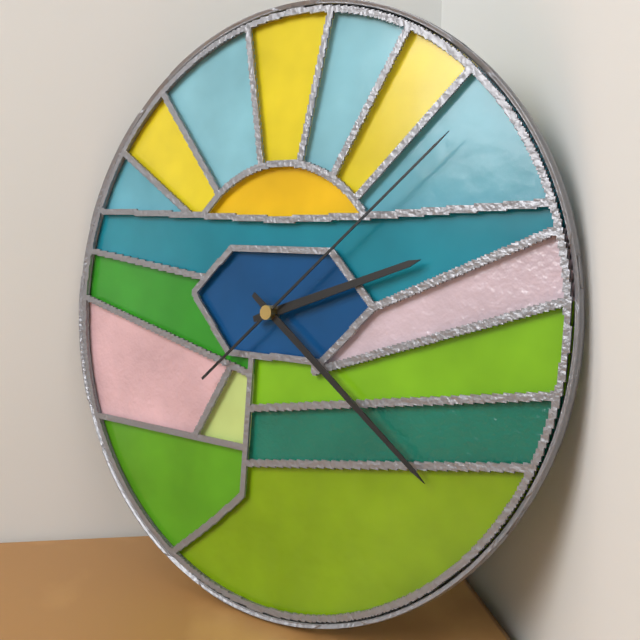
2:21:08
